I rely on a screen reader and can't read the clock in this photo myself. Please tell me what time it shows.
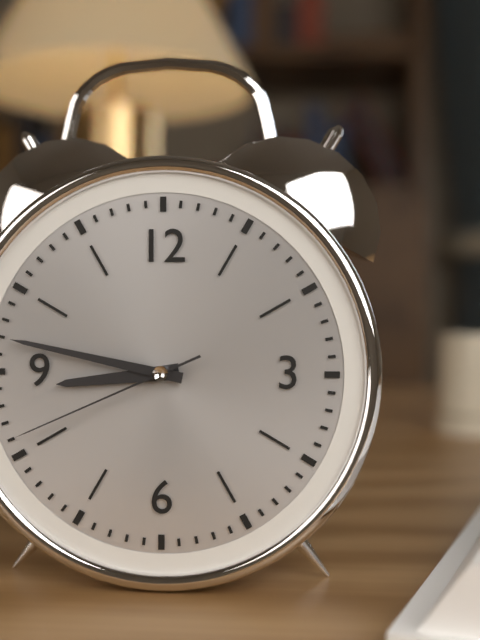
8:47:41
